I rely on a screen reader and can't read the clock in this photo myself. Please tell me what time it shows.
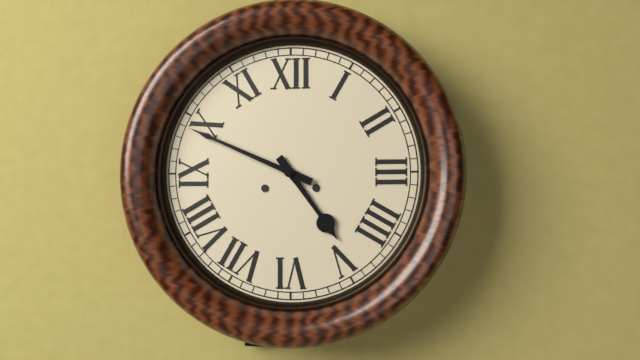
4:49
